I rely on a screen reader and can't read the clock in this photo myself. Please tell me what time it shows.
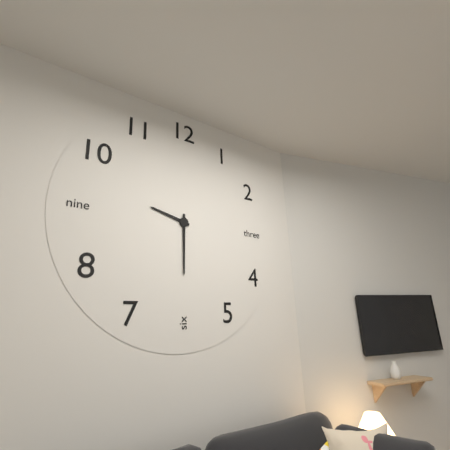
9:30
